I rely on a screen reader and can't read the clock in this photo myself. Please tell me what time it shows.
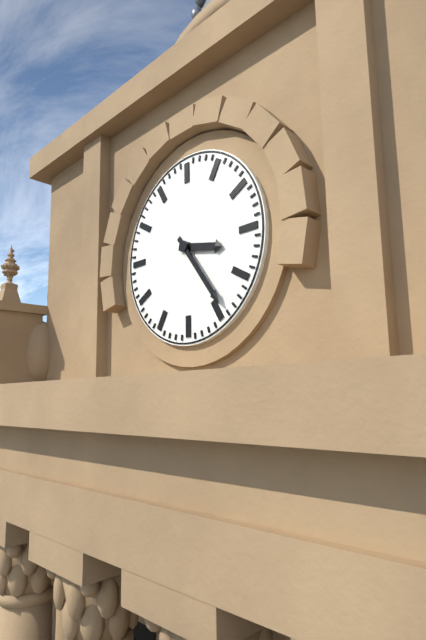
3:24
